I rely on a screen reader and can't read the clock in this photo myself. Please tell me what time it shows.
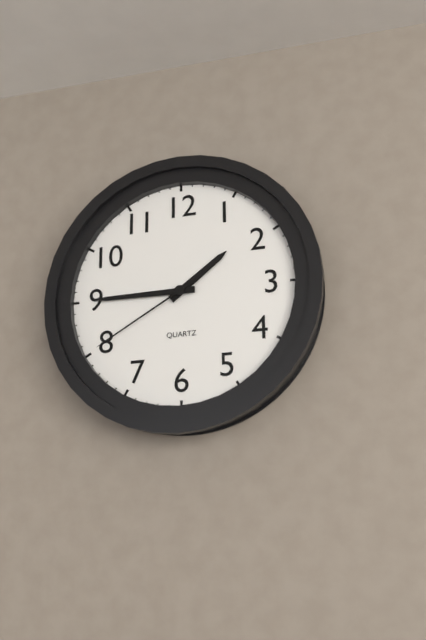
1:45:40
